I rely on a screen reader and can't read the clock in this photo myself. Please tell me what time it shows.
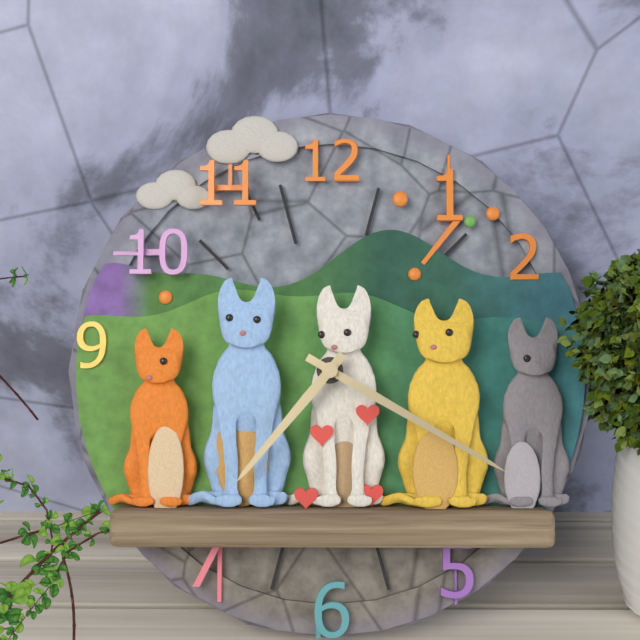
7:20
